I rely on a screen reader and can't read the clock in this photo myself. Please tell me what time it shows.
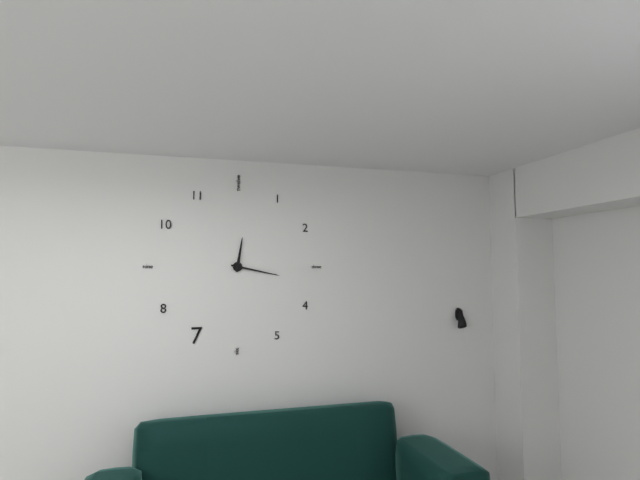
12:17
